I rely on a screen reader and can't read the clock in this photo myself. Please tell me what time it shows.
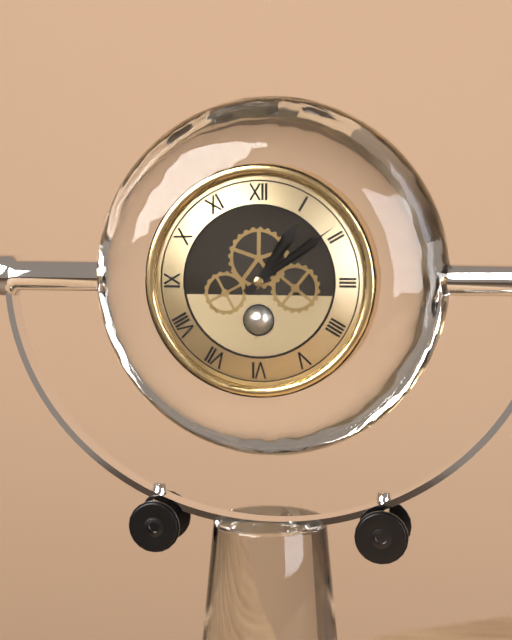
1:09
